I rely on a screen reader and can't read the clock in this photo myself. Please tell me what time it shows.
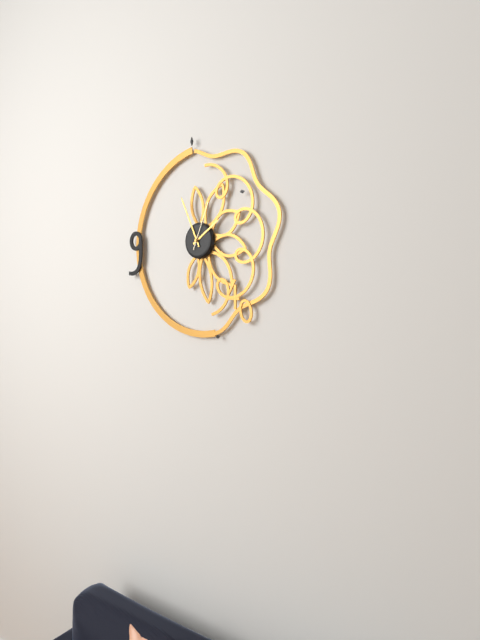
1:56
